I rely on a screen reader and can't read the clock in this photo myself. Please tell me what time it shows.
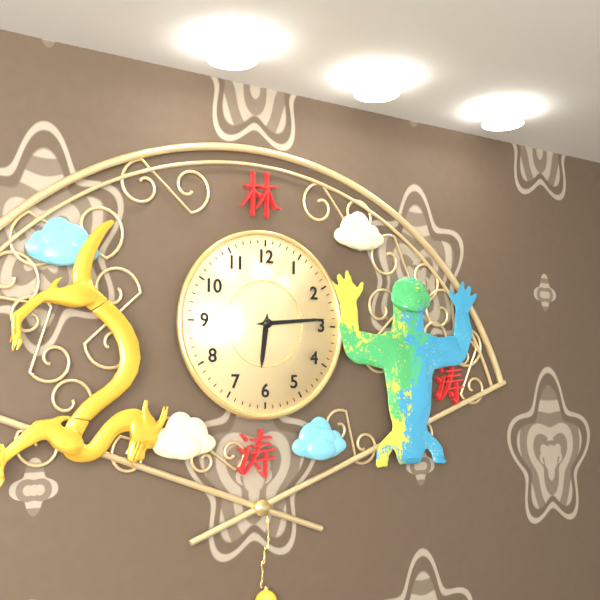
6:14
